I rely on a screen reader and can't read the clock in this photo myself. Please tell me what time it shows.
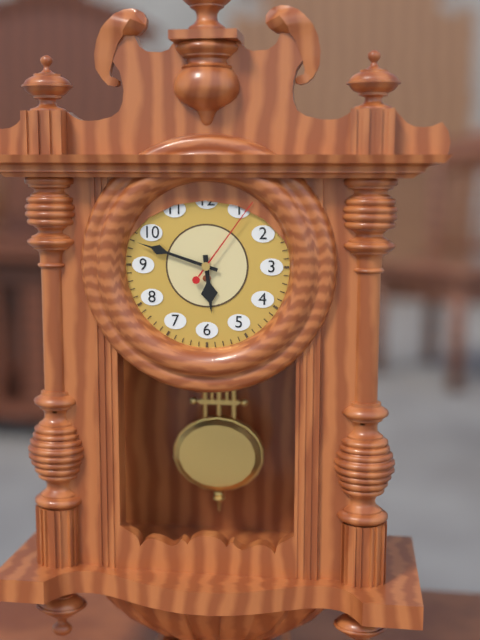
5:48:06
